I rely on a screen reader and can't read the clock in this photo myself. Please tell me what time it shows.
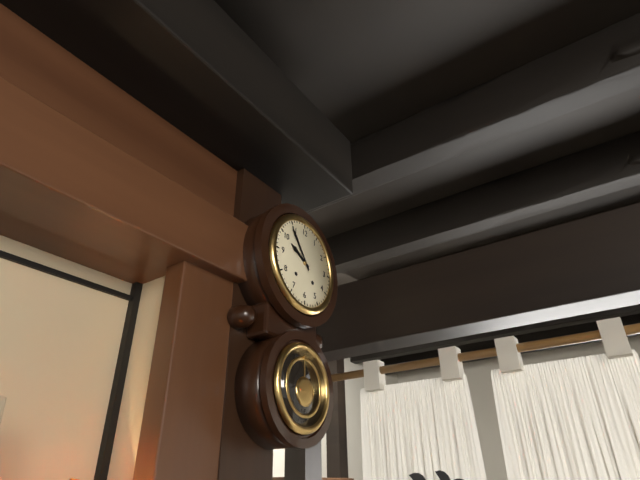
9:54
